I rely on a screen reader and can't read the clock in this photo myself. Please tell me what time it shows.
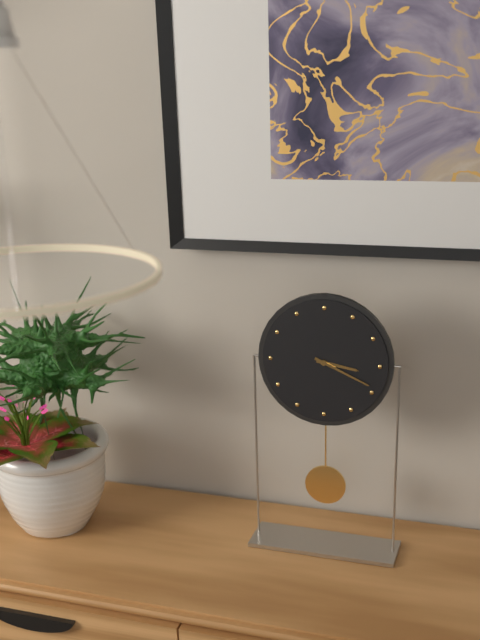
3:19
